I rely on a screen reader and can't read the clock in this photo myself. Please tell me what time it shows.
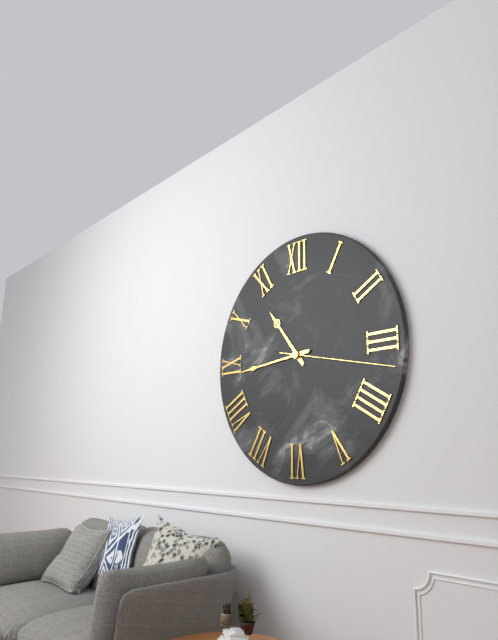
10:44:17
